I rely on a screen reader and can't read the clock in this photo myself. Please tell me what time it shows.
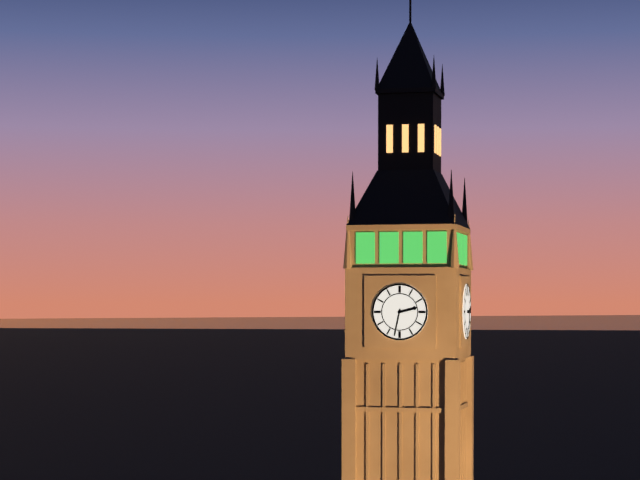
2:32
